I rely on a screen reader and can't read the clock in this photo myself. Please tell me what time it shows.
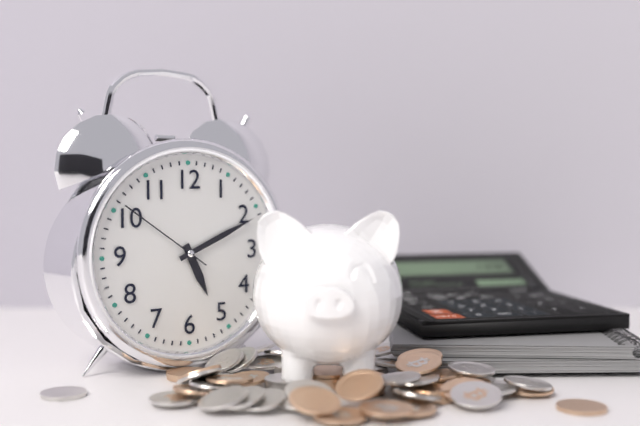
5:11:51
